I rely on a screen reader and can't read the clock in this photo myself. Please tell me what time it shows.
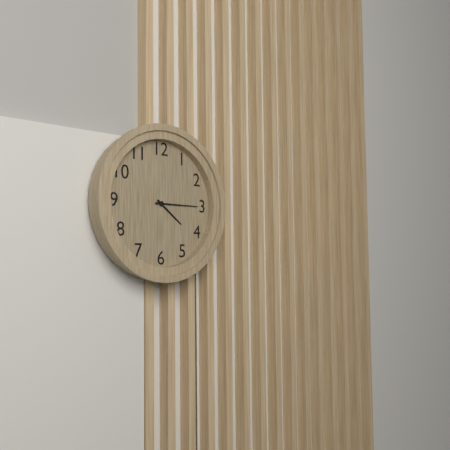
4:15
